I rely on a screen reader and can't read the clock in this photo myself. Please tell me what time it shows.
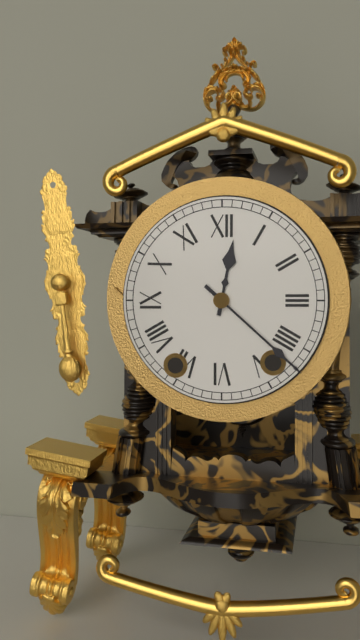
12:22
